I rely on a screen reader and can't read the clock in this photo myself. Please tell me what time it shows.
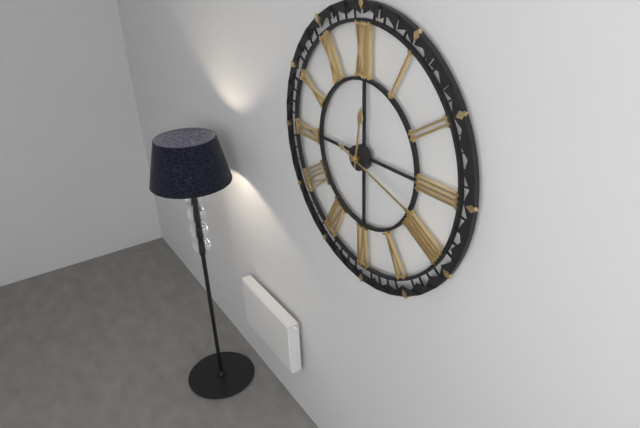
12:18
